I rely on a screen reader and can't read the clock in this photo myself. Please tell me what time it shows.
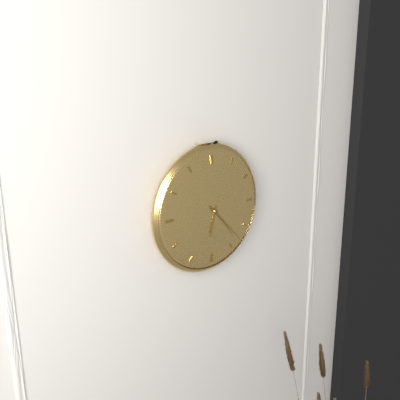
6:23
